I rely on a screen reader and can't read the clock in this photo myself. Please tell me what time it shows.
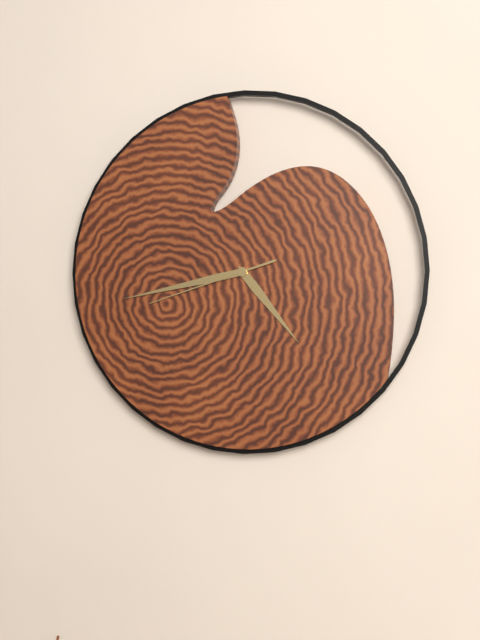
4:43:42
